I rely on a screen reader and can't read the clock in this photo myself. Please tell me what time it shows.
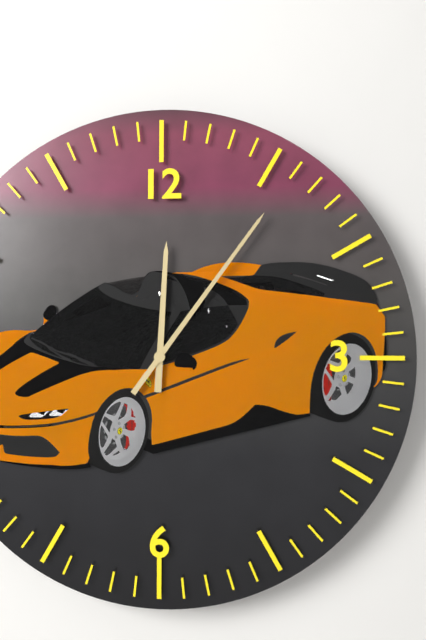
12:06
